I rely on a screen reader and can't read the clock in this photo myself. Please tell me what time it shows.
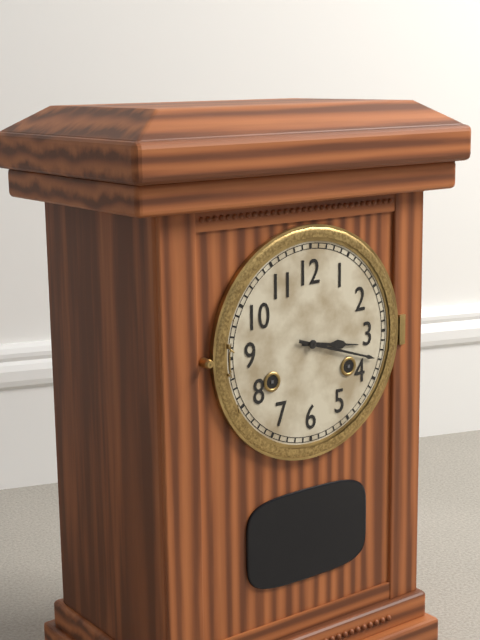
3:18
